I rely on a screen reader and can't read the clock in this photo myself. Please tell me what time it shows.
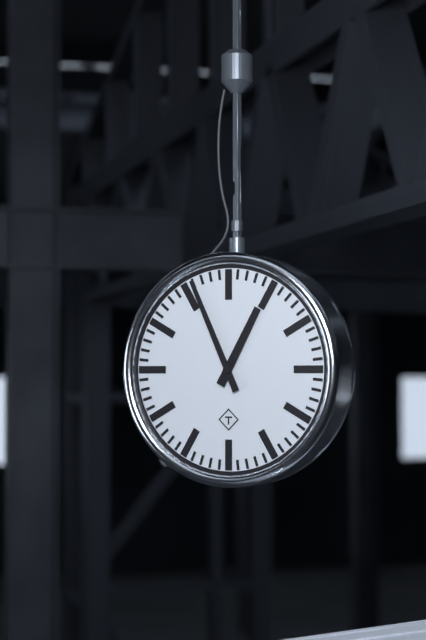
12:56
